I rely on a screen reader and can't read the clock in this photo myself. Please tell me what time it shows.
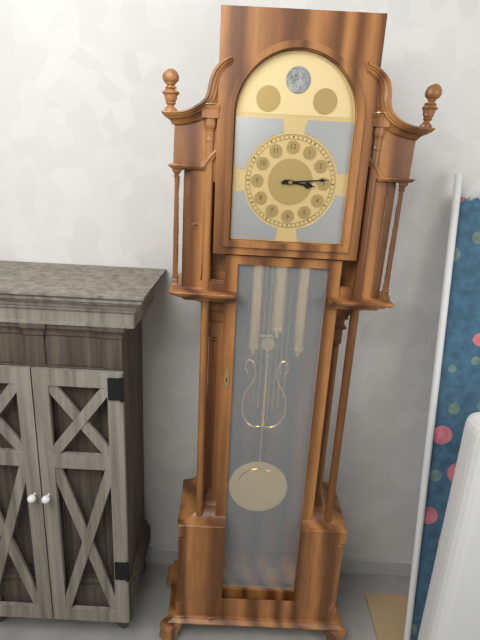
3:14
